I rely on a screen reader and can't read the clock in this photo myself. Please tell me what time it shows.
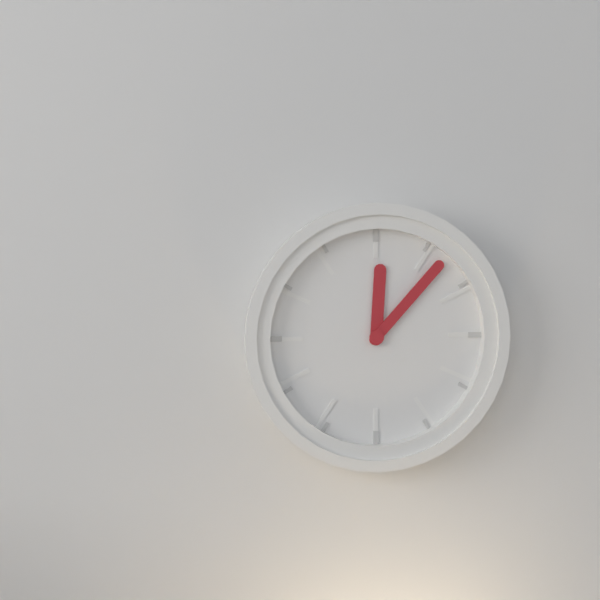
12:07
